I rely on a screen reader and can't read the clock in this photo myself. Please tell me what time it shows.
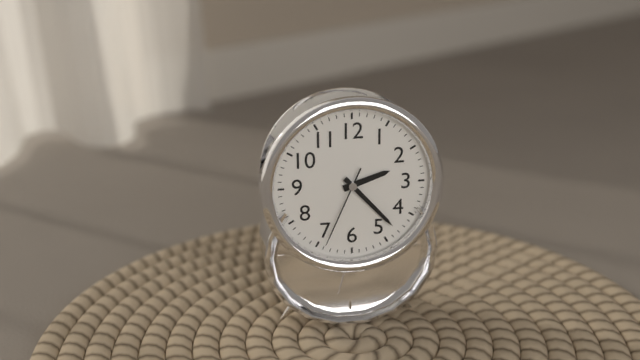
2:23:34
